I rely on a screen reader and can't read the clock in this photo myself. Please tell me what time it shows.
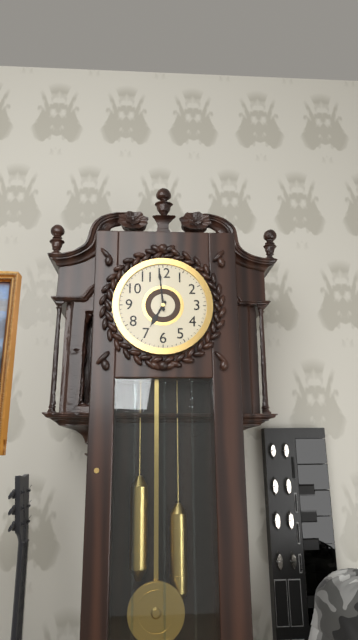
6:59
